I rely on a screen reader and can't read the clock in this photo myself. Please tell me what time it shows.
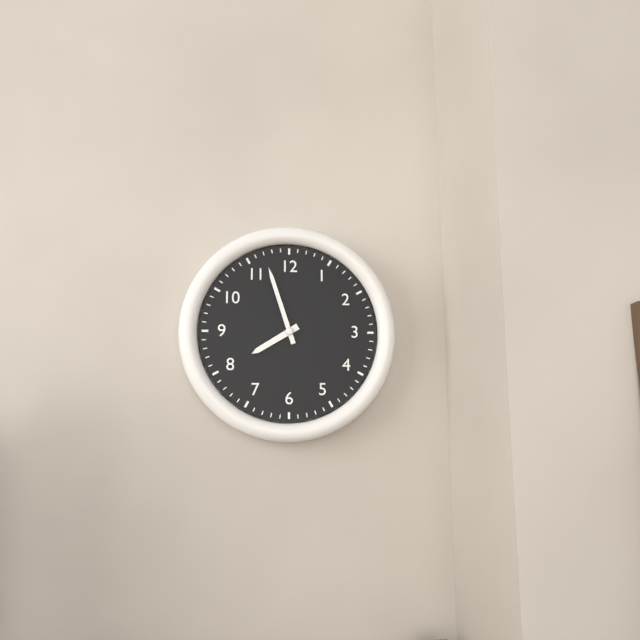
7:57
